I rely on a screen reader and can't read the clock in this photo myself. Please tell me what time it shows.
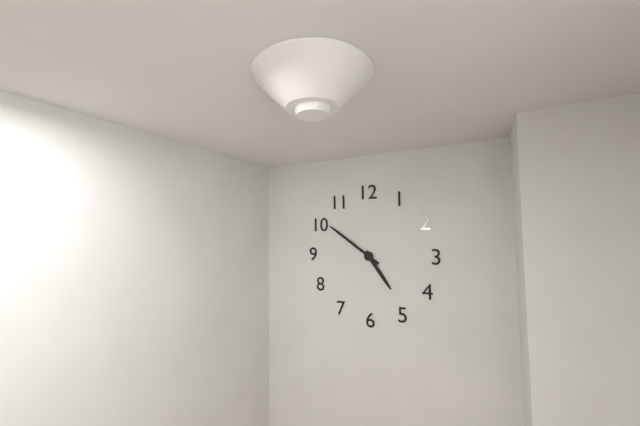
4:51
